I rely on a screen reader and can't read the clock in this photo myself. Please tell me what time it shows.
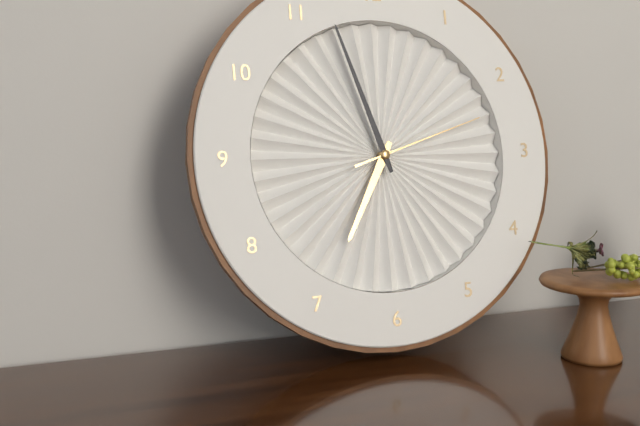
6:57:12
